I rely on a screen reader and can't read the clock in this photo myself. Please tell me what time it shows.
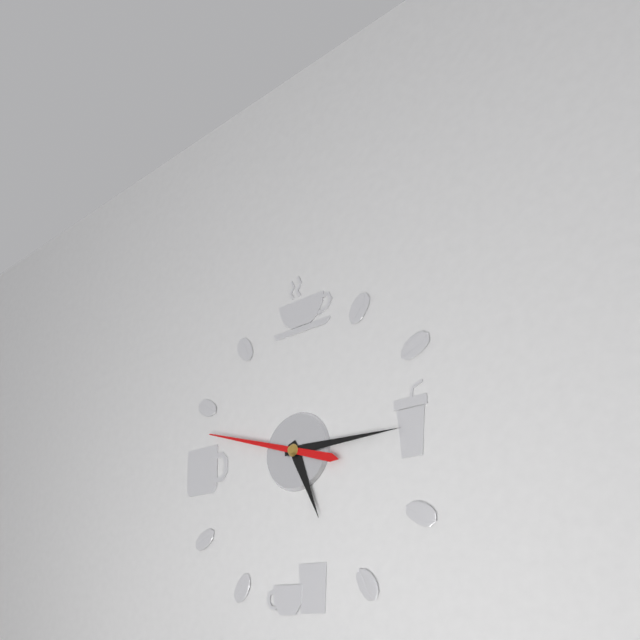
5:15:48
